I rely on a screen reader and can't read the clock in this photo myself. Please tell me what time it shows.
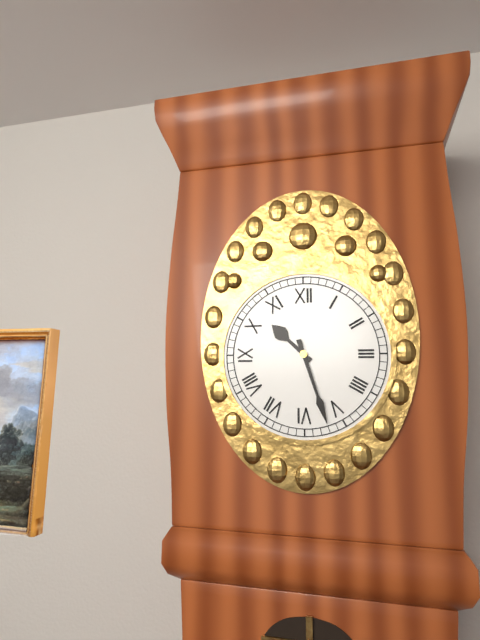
10:27
